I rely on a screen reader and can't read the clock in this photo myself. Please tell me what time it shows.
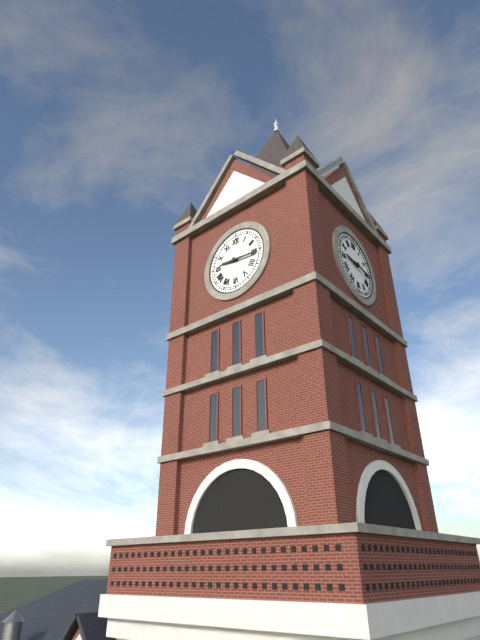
9:16
